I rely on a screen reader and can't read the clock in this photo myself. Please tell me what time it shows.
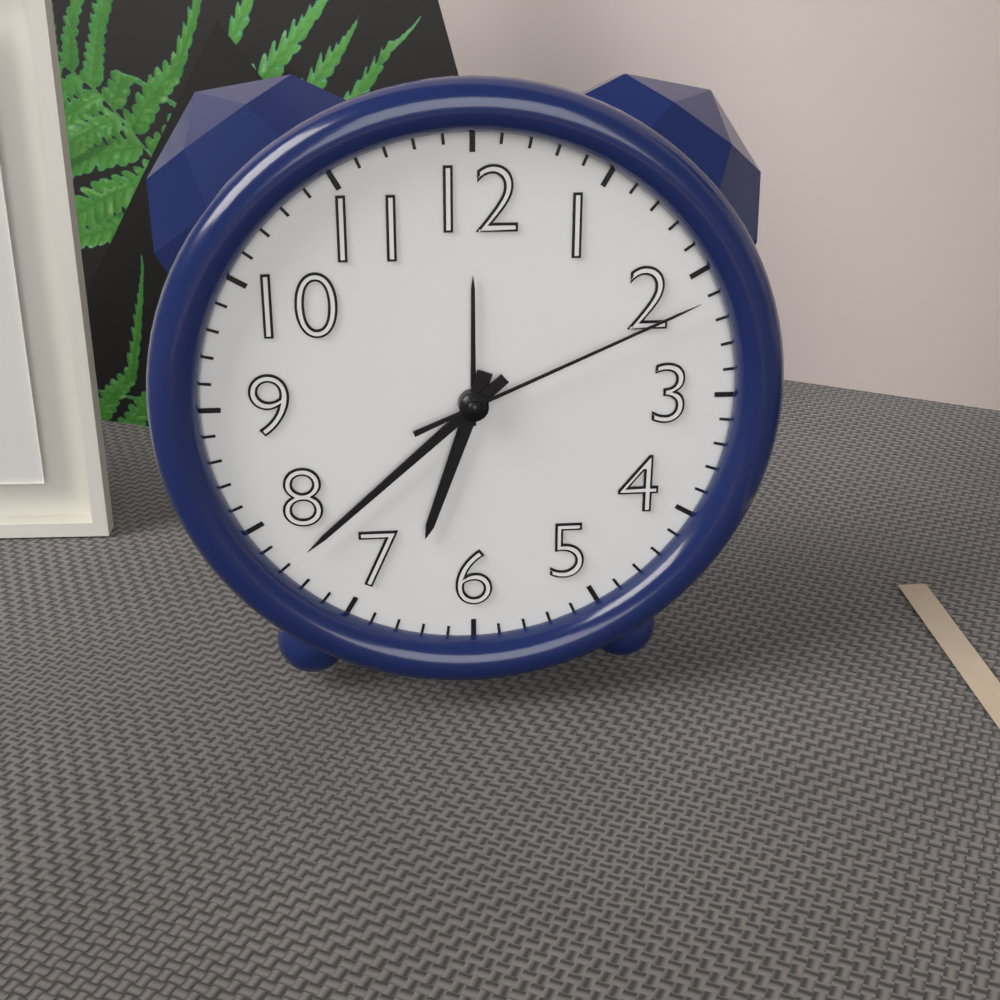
6:38:11
